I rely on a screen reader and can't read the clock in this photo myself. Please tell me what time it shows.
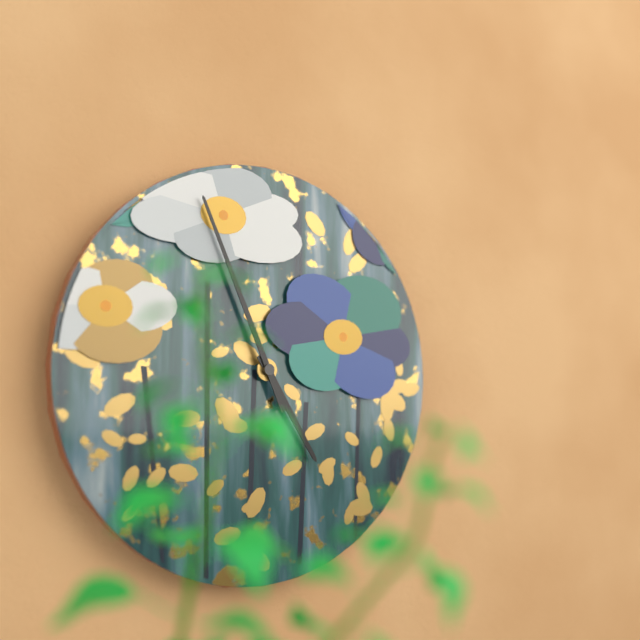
4:56
